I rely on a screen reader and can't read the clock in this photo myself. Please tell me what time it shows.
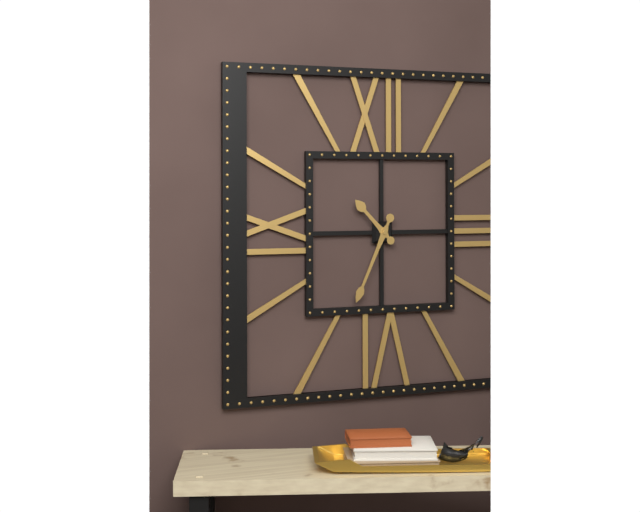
10:34
